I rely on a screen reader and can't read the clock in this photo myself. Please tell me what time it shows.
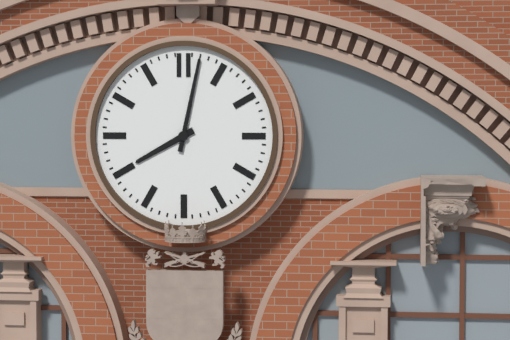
8:02
